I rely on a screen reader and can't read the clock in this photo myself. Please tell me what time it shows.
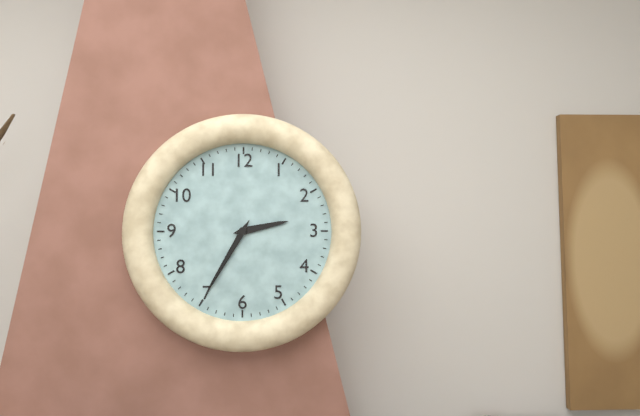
2:35
